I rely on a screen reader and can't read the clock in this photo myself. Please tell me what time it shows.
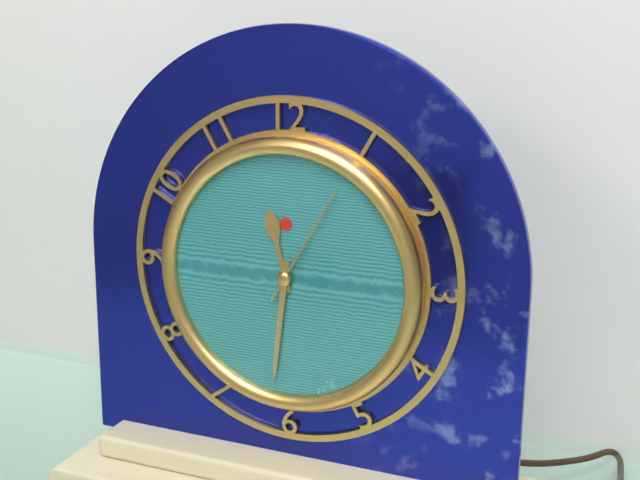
11:31:05
